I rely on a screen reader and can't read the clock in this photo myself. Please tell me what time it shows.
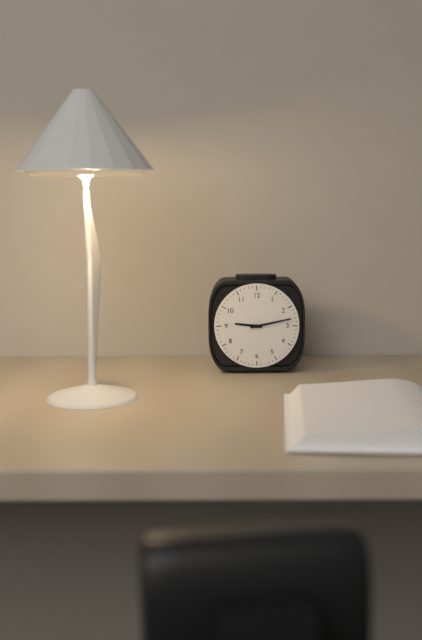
9:13
